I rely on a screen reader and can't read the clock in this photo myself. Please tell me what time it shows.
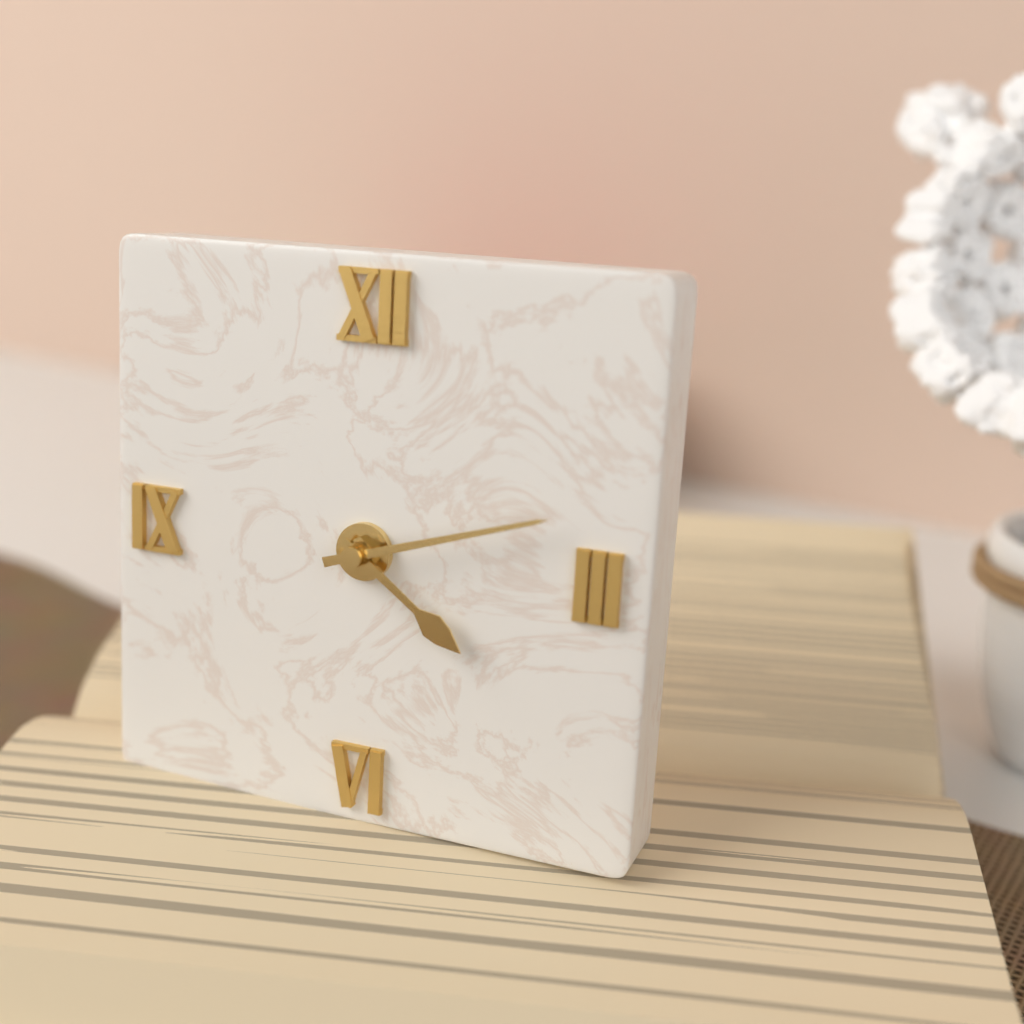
4:12
